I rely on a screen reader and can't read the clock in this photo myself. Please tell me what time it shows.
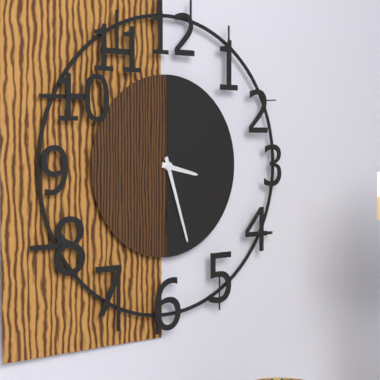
3:27
